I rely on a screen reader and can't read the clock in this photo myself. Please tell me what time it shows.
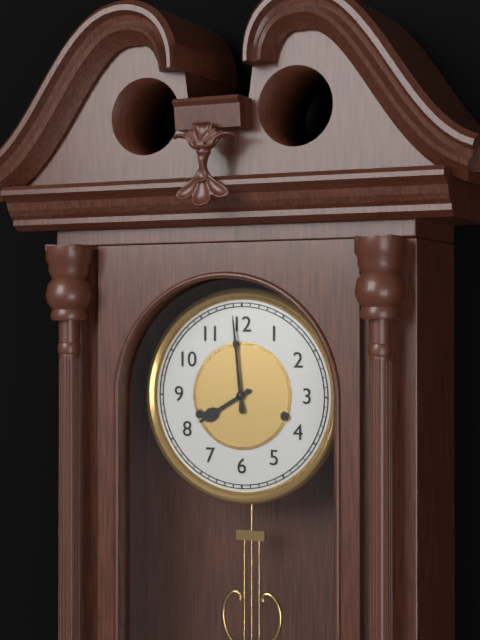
7:59
